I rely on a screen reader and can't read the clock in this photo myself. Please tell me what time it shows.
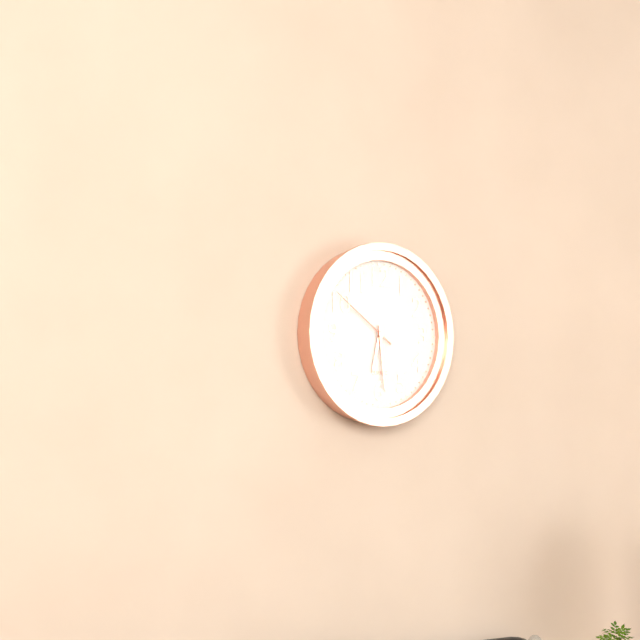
6:29:51
